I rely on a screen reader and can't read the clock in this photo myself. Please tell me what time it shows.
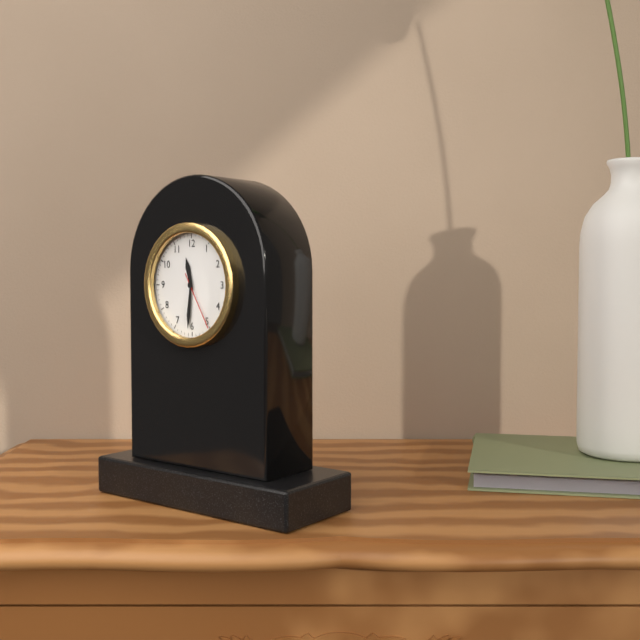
11:31:25
